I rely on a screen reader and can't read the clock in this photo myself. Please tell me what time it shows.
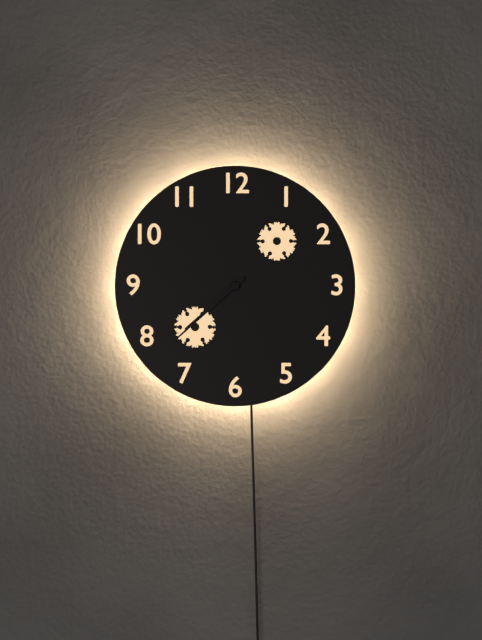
7:38
